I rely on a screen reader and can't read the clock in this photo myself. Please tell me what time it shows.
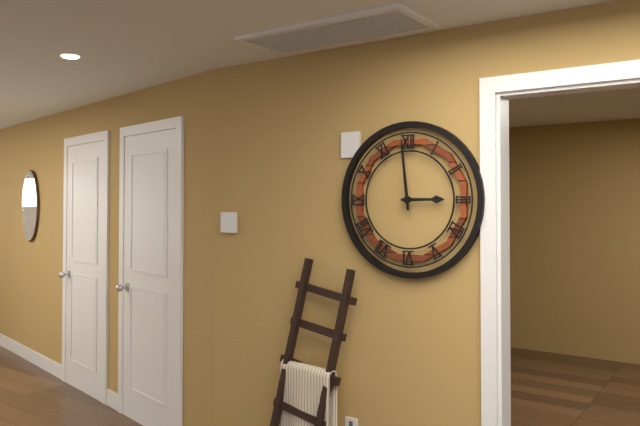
2:59
